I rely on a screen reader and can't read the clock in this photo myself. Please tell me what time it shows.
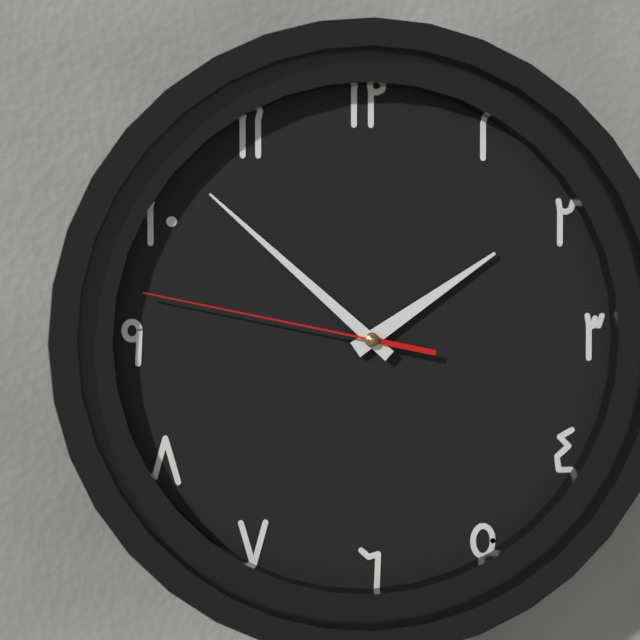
1:52:47
